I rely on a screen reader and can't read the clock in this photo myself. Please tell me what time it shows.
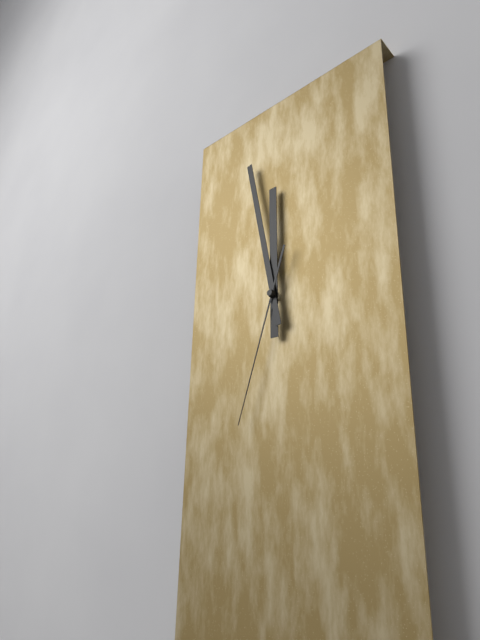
11:58:33
